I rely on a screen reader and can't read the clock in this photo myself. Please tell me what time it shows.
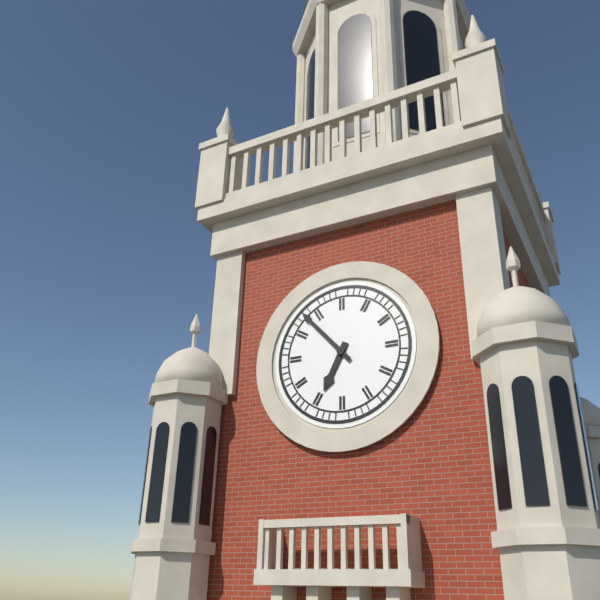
6:53
